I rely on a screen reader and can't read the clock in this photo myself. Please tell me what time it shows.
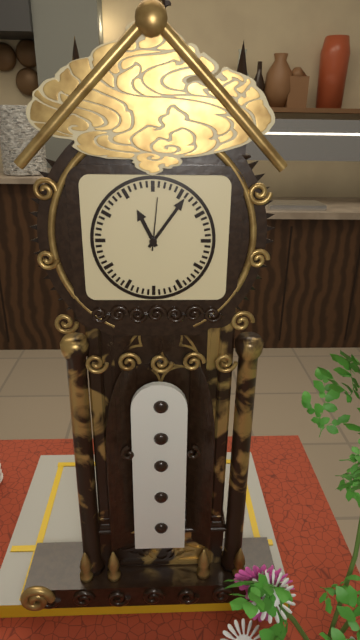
11:06:01
